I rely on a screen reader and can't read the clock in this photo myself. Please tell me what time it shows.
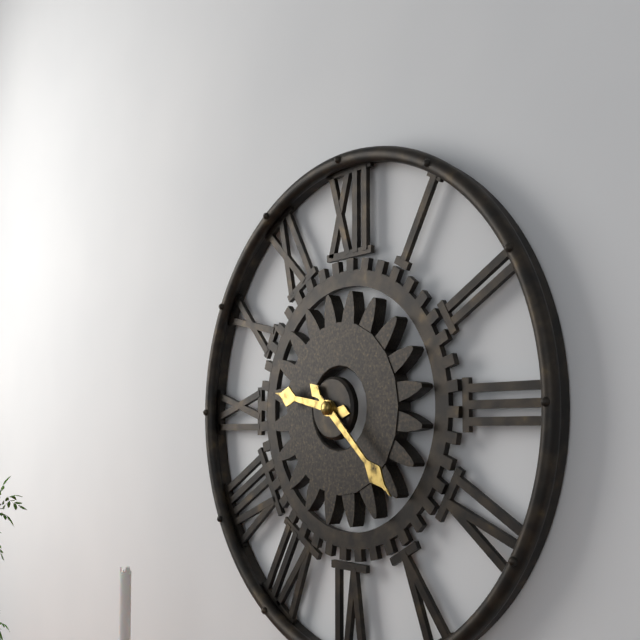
9:22
